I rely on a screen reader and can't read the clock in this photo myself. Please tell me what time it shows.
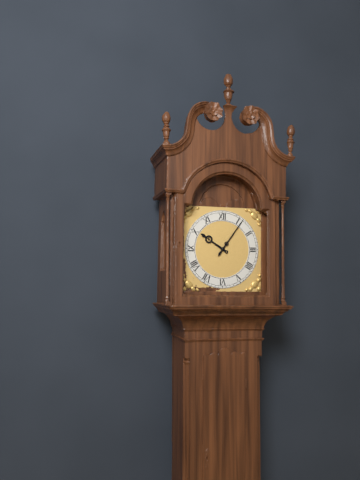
10:06
